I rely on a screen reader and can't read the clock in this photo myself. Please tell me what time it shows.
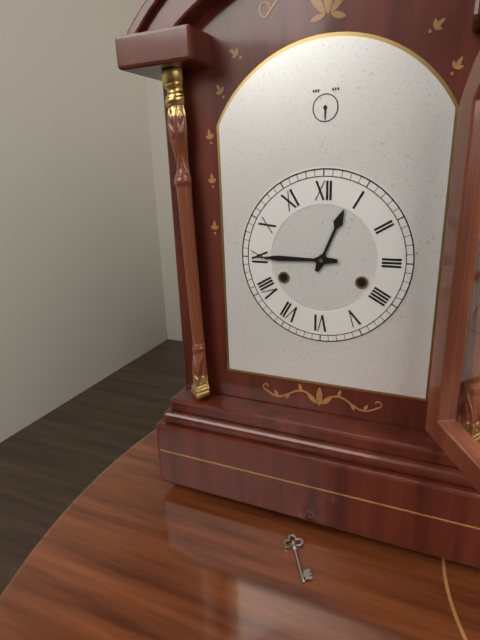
12:45
